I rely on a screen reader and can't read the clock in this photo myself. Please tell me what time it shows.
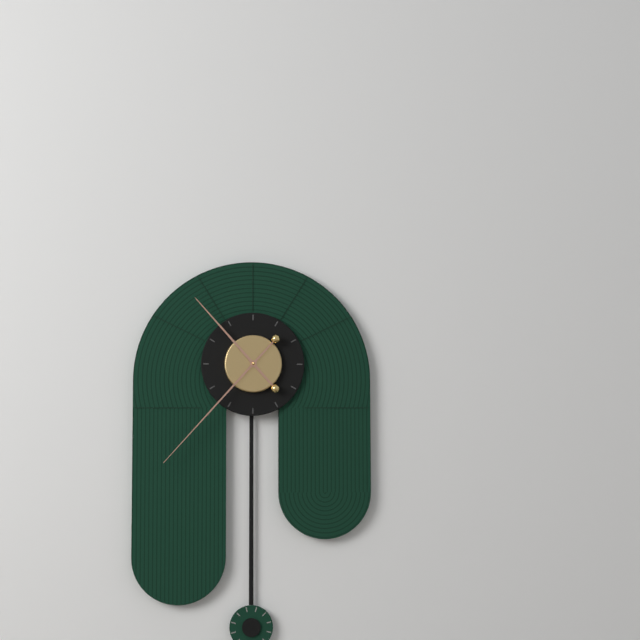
10:37
